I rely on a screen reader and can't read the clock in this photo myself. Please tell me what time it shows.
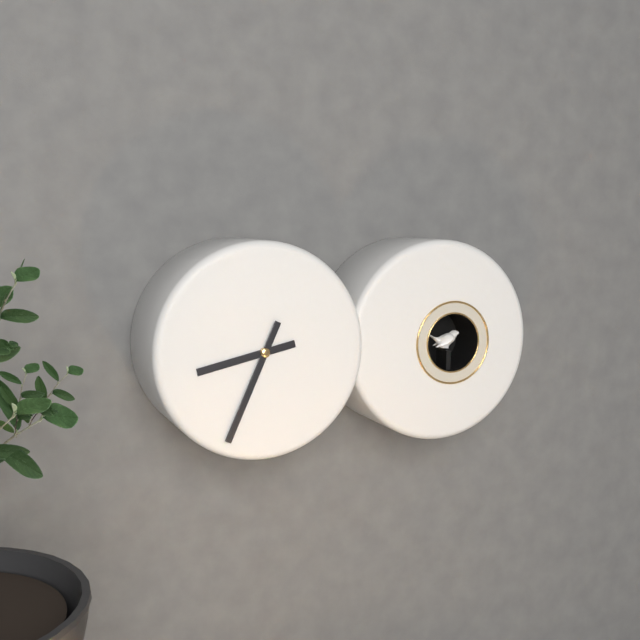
8:34
